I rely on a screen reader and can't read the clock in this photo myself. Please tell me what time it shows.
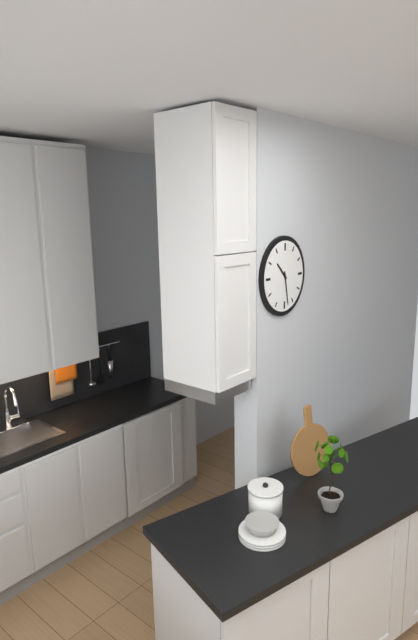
10:28
